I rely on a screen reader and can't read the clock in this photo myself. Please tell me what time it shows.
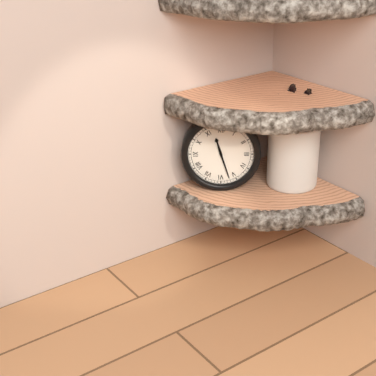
11:27
